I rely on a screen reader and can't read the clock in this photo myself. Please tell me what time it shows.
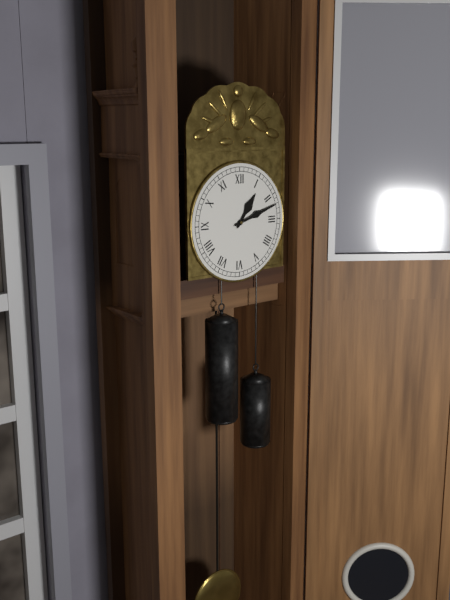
1:12
